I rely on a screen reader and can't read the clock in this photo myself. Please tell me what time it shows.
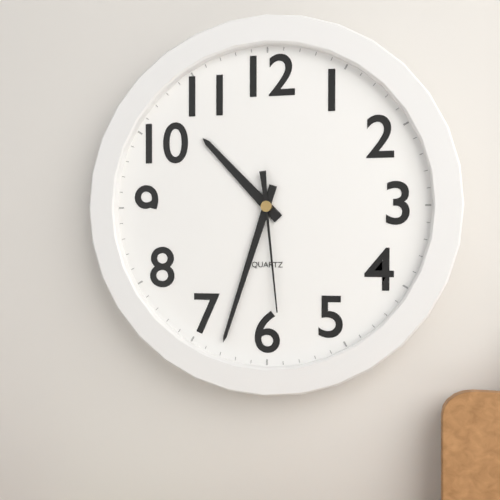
10:33:29
